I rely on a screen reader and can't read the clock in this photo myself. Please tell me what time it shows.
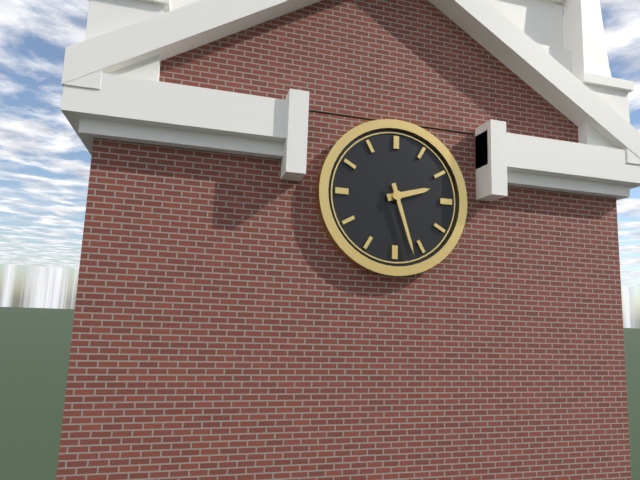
2:27
